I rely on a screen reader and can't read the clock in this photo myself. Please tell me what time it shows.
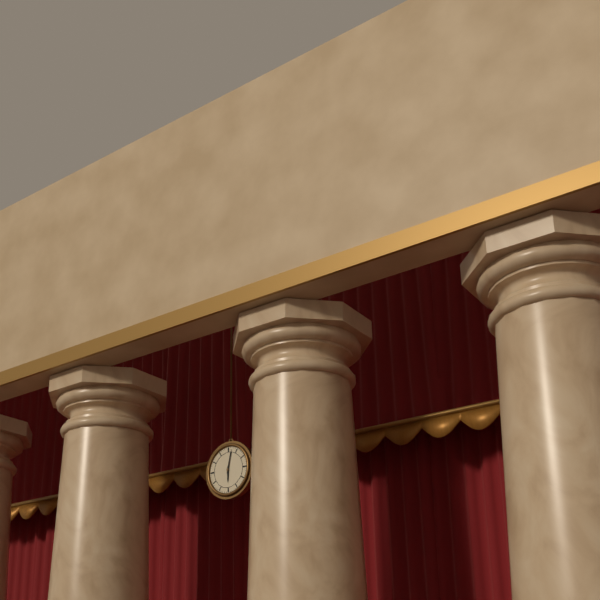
6:02
